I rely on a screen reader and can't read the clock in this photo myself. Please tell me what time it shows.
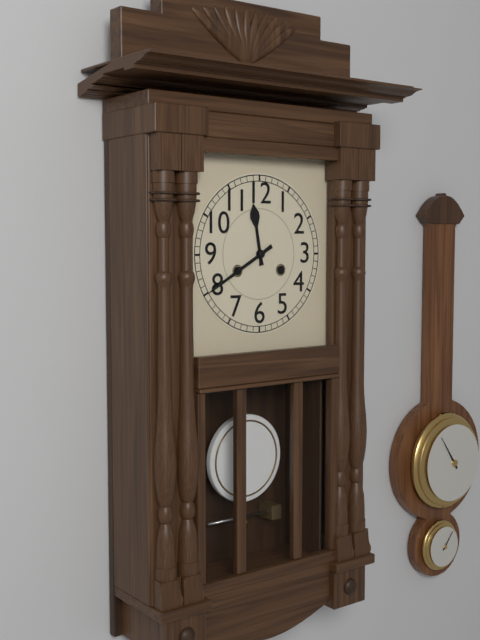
11:40
